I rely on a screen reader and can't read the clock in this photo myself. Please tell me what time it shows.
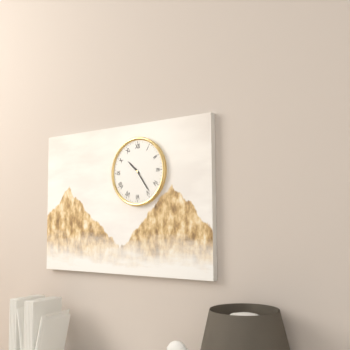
10:24
